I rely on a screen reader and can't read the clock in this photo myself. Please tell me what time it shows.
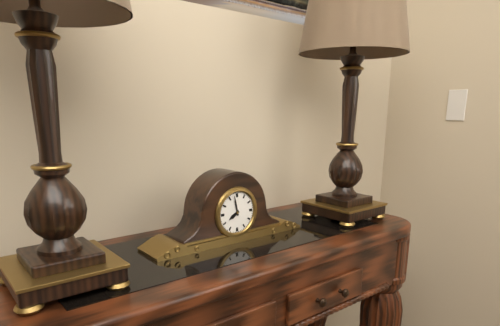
7:58
